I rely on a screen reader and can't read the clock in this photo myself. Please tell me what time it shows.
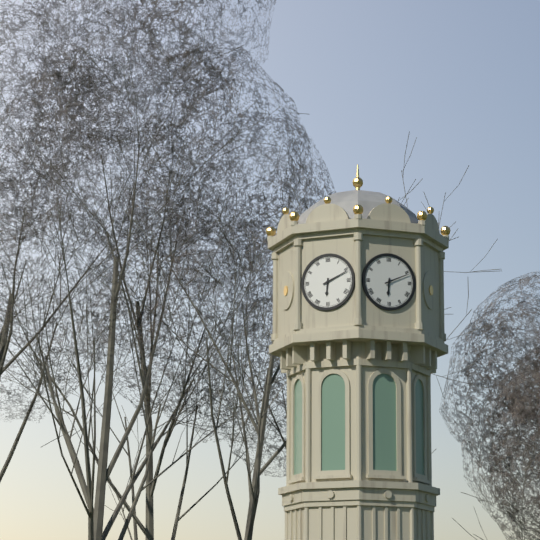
6:11
